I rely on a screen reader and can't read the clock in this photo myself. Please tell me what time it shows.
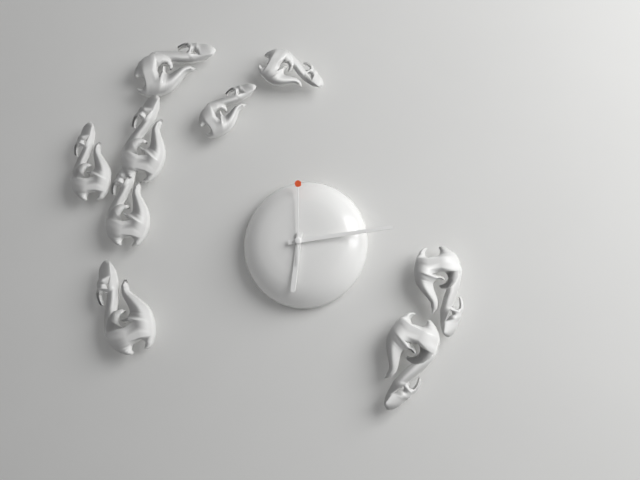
6:14:00
